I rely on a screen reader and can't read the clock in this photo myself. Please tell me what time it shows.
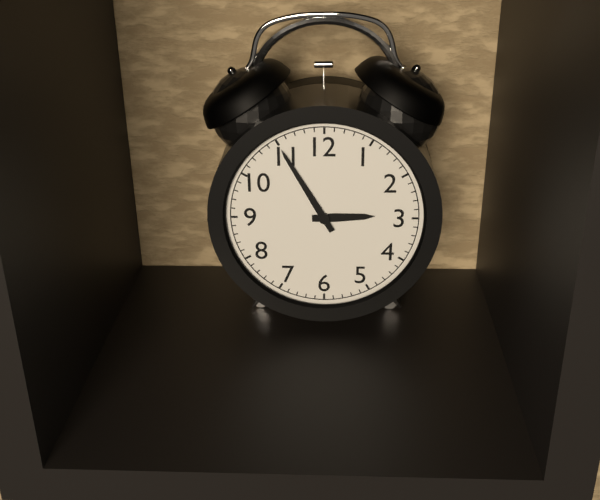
2:55
